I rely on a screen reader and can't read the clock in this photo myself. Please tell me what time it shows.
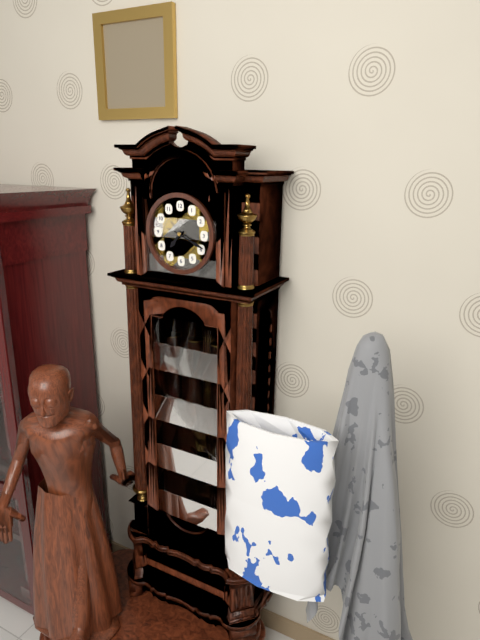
7:19
